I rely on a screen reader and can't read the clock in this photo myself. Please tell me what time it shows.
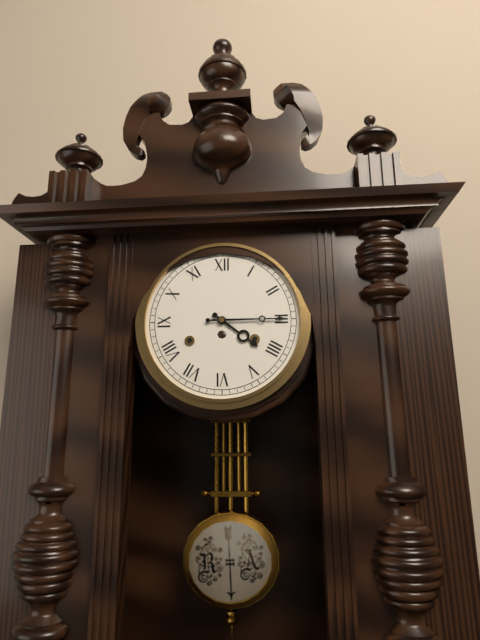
4:15
